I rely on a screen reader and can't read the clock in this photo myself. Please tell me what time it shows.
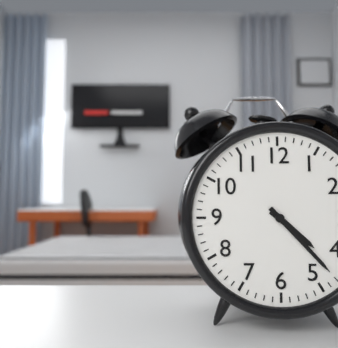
4:23
